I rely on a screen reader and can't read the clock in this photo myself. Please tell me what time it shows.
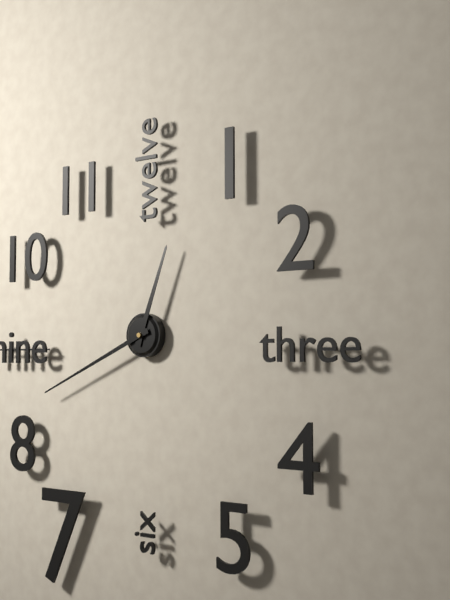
12:41
